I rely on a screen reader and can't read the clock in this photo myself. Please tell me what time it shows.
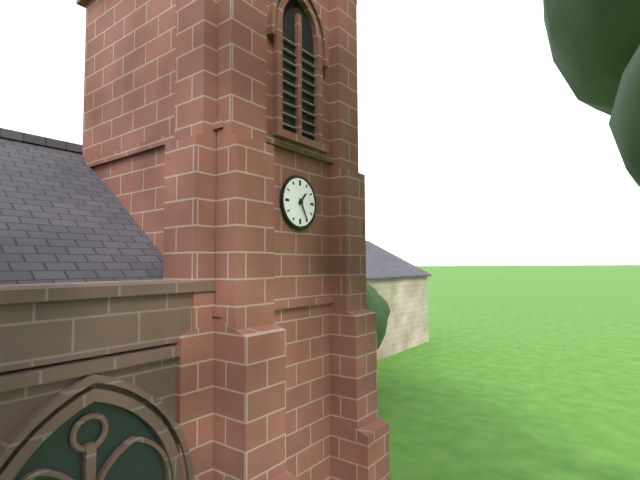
1:25
